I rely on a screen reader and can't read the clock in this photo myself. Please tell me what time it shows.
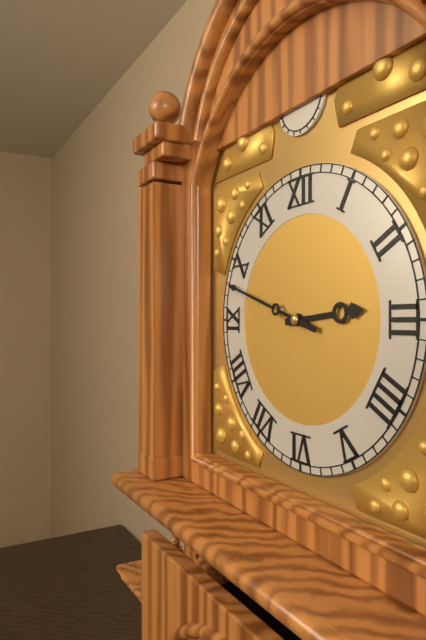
2:48
